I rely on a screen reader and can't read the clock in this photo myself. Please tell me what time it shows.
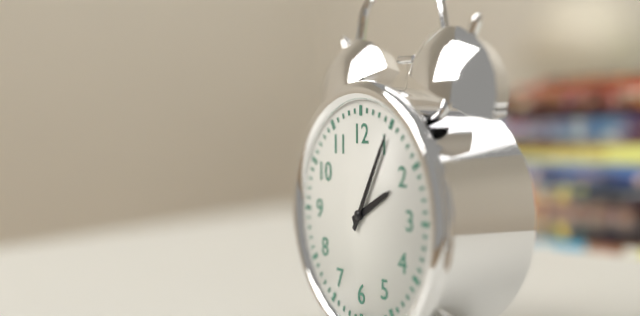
2:05
